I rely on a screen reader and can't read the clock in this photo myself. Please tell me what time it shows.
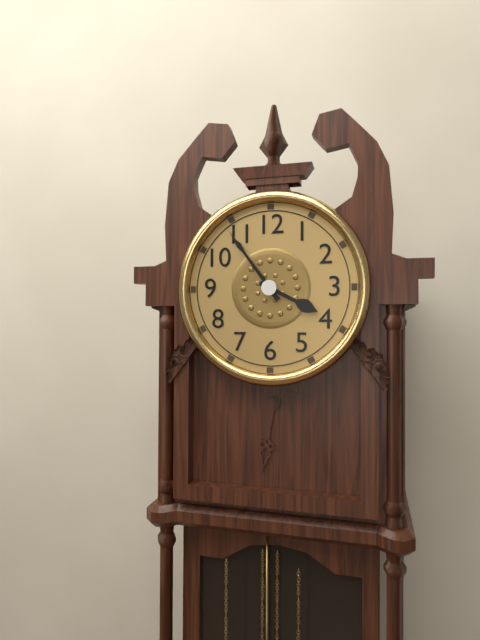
3:54
